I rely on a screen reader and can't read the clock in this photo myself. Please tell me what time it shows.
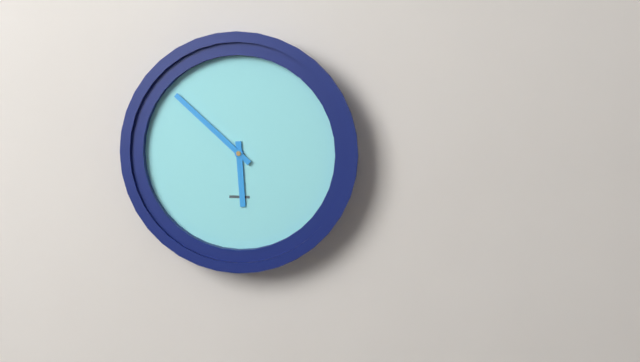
5:52
